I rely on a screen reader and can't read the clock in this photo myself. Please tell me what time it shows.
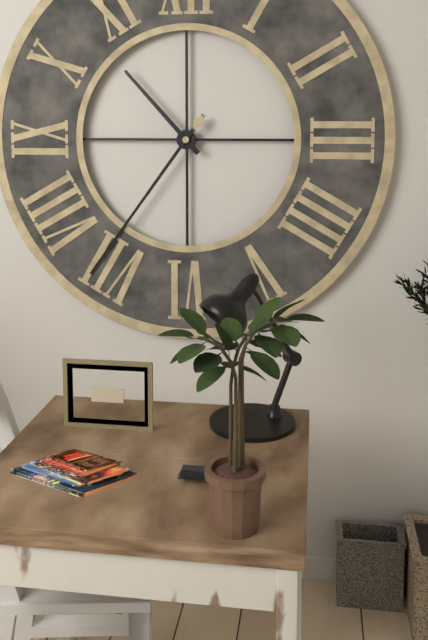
10:36
